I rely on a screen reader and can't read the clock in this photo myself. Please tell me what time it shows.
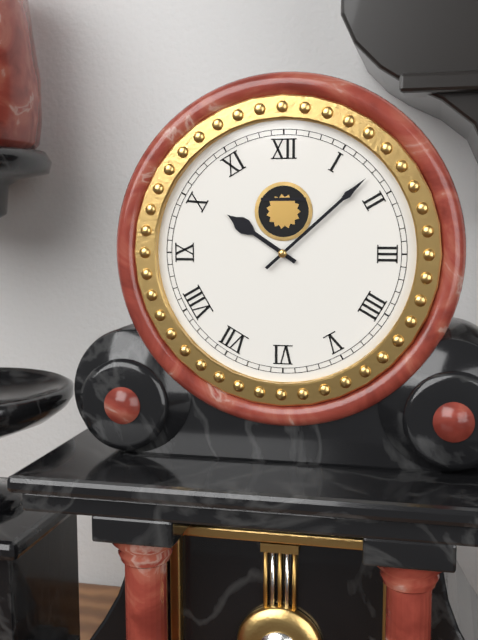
10:08
